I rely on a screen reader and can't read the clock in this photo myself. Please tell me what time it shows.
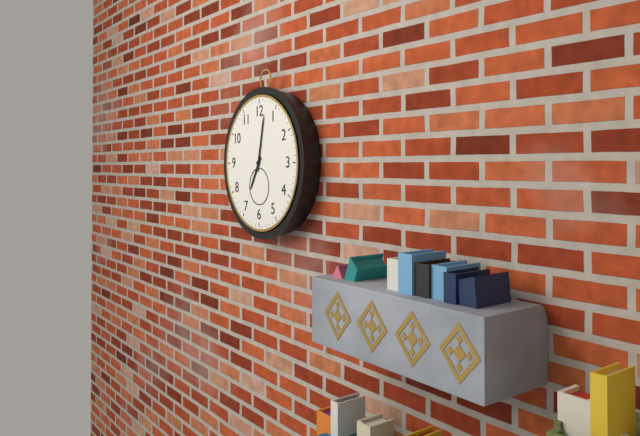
7:02
